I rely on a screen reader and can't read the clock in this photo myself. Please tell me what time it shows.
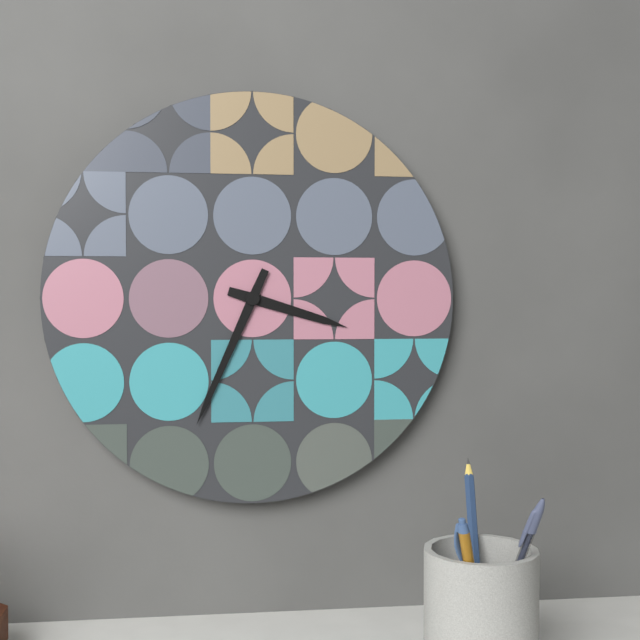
3:34
